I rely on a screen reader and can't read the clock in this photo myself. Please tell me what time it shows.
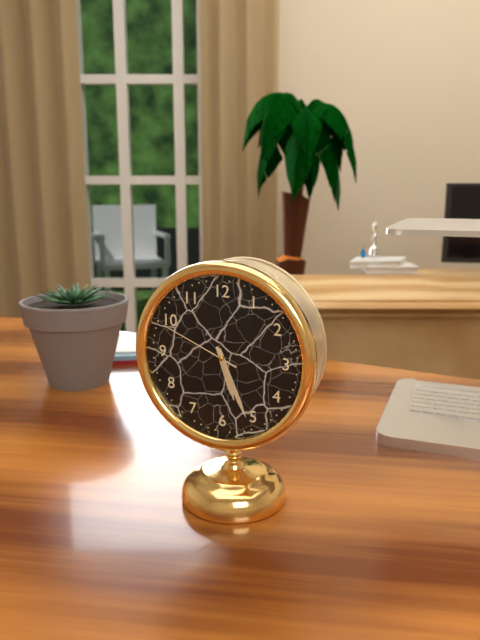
5:26:49
